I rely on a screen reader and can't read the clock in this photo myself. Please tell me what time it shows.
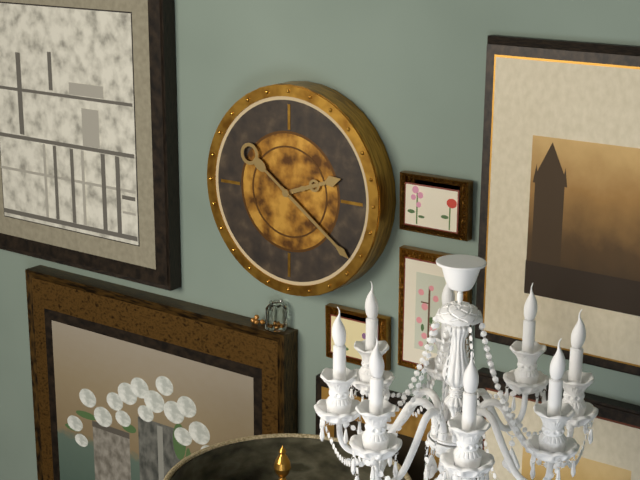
2:21
